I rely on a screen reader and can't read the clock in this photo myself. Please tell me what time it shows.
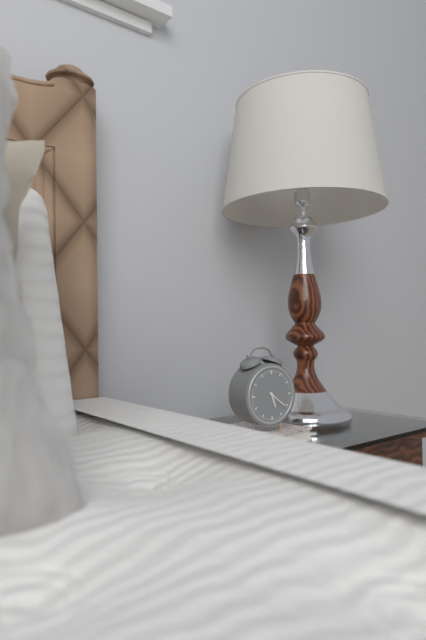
5:21
